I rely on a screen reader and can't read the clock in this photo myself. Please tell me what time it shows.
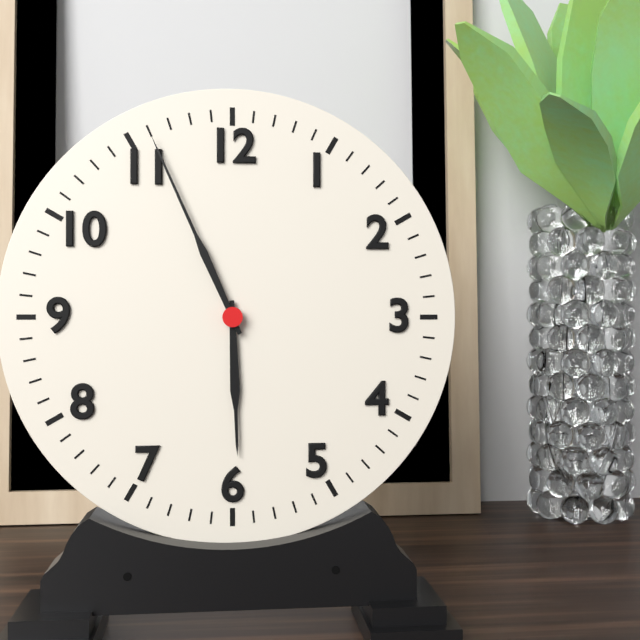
5:56
